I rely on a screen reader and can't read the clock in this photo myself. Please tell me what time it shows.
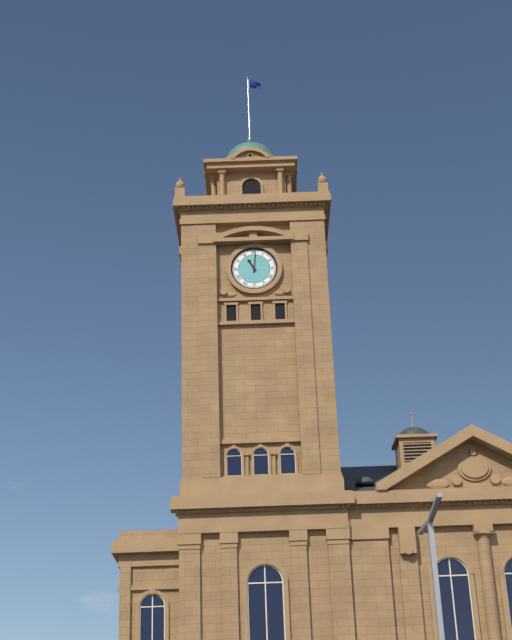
11:01
